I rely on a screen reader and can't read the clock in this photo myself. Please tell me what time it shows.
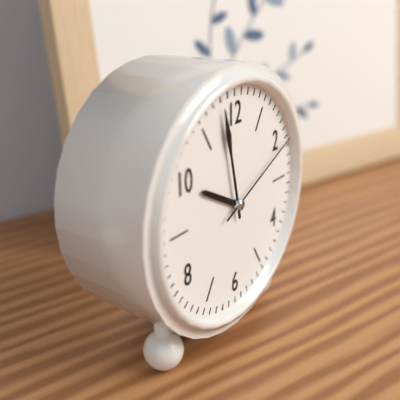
9:58:11
